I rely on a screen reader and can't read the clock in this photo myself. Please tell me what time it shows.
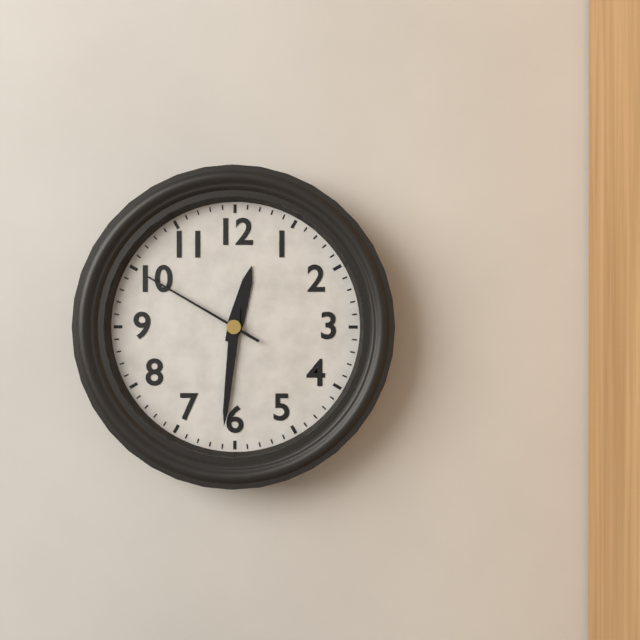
12:31:50
